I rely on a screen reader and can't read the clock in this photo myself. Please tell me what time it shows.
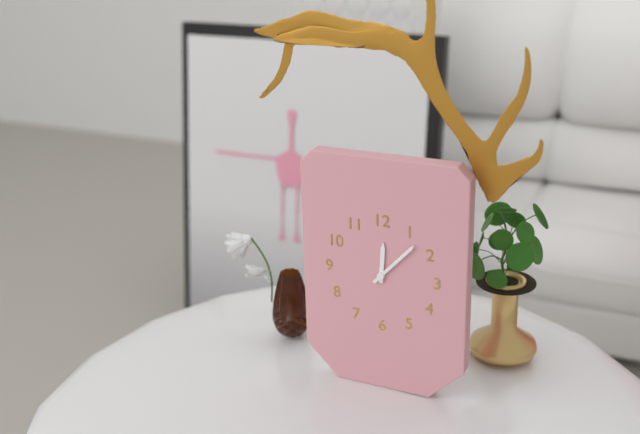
12:07
